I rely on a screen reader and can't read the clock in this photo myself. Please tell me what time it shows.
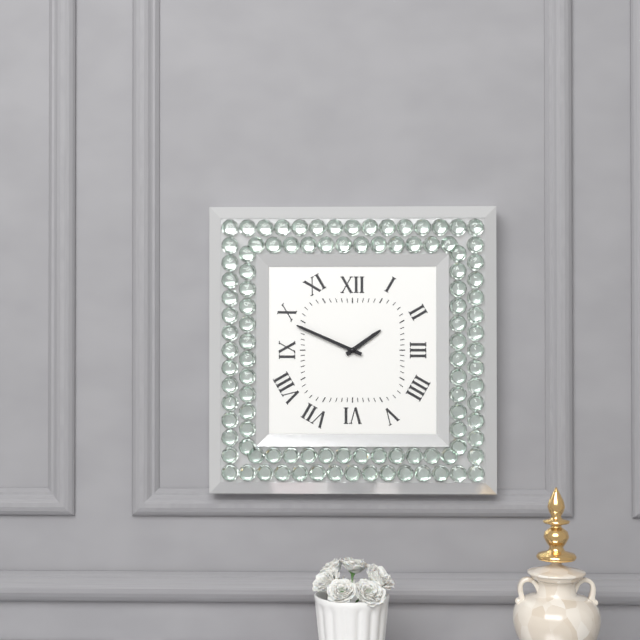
1:49
